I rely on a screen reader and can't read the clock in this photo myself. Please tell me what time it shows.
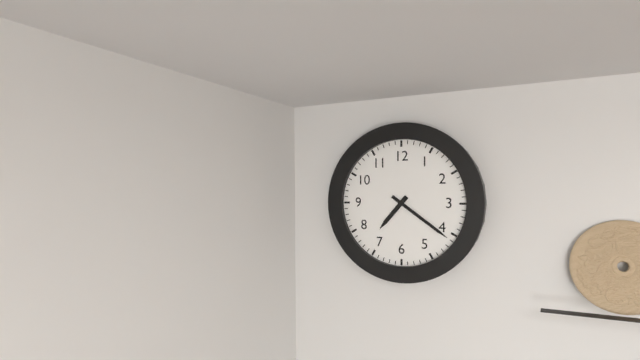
7:21
